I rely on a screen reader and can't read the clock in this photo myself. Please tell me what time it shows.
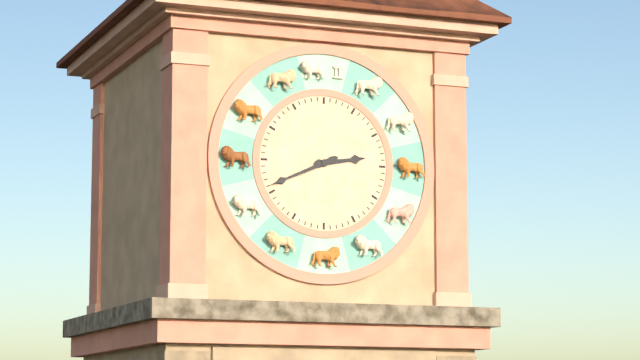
2:41
